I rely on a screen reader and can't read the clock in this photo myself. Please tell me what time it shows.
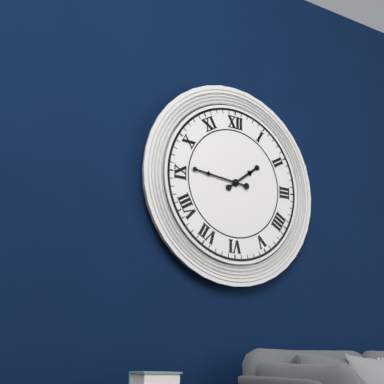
1:46
